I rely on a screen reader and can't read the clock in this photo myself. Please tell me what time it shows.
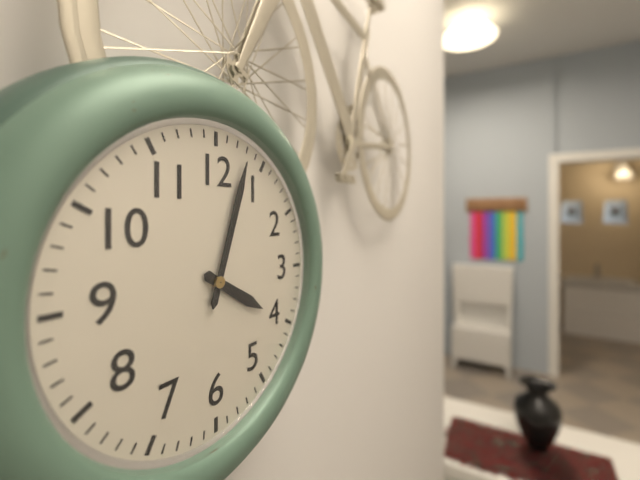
4:03
